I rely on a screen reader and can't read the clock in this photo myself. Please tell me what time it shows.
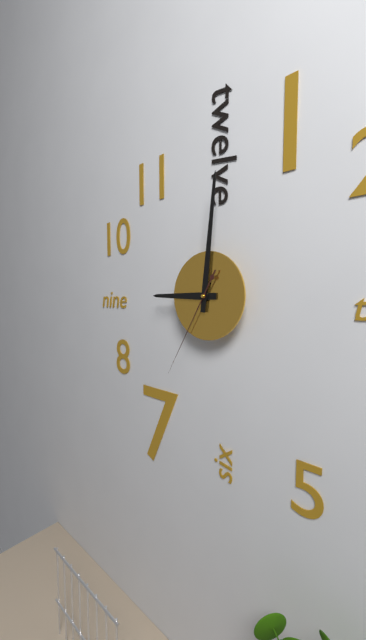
9:01:35
